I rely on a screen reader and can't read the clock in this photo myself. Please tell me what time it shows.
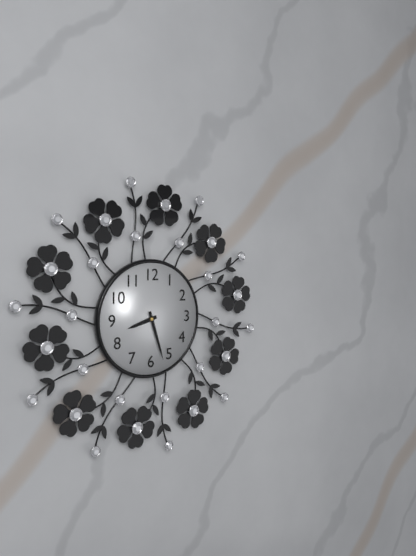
8:27
